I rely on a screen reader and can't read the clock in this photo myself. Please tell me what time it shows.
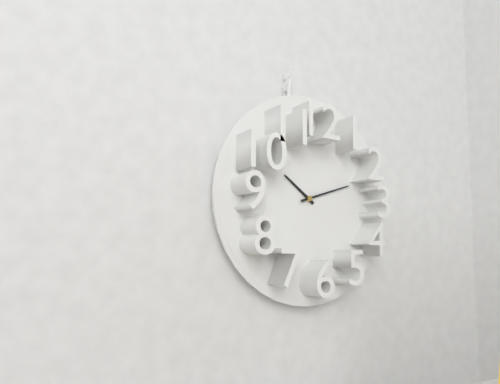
10:12
